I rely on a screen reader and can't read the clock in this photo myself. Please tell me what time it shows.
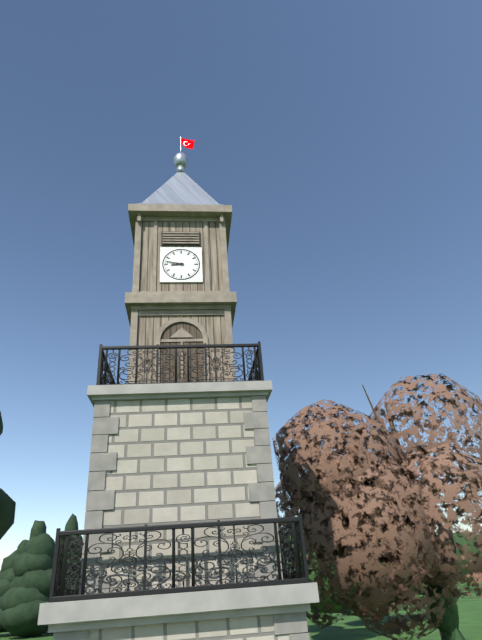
8:47
